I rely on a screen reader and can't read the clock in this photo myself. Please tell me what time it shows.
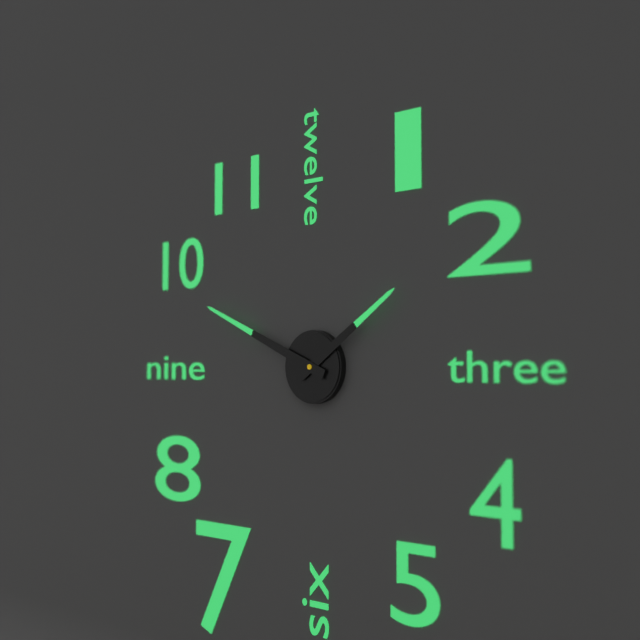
1:49
